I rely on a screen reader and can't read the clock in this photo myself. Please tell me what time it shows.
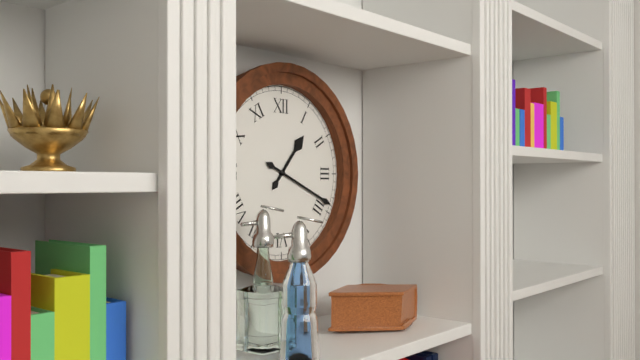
1:19
